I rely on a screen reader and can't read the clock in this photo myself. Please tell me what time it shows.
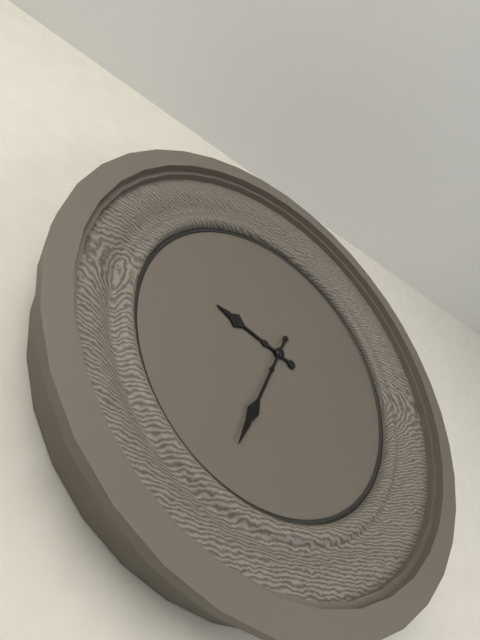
9:34
